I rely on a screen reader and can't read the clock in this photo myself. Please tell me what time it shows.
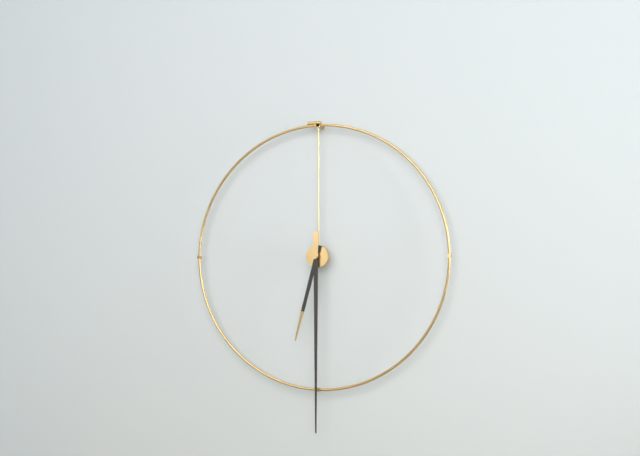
6:30
